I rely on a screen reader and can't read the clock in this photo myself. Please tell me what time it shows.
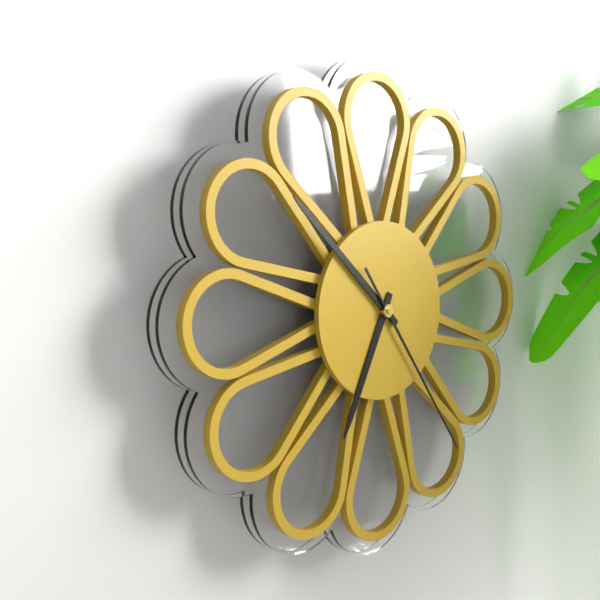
6:52:24
